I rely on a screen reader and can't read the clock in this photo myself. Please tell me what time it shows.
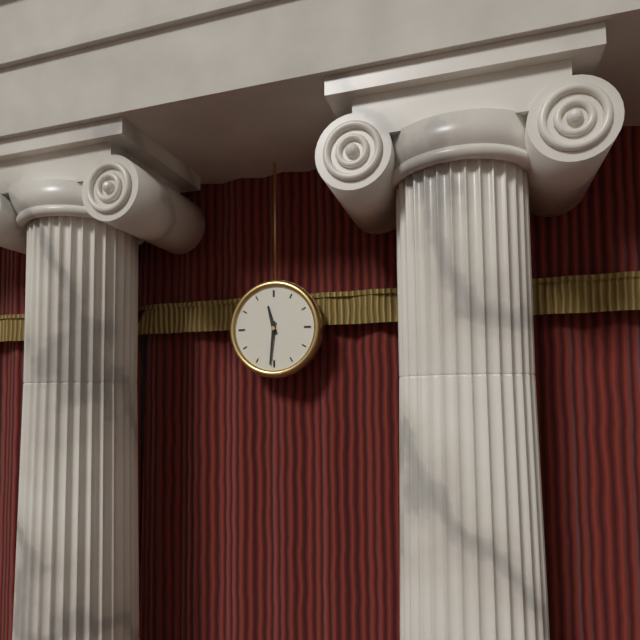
11:31
